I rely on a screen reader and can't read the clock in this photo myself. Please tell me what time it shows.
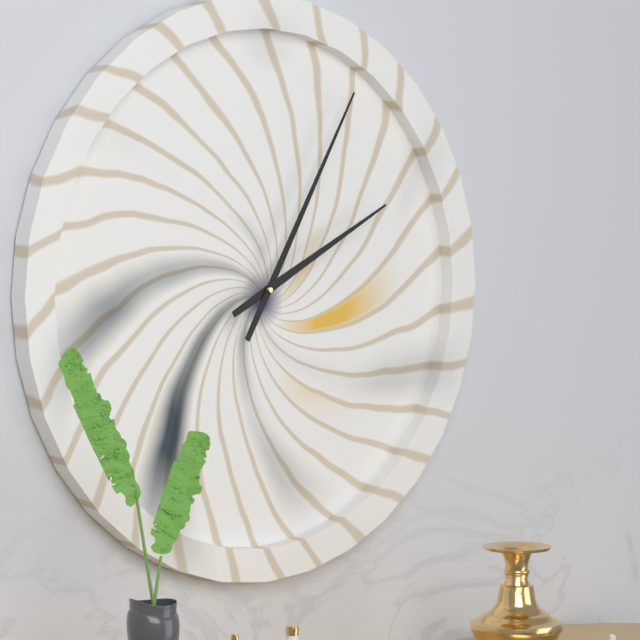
2:05
